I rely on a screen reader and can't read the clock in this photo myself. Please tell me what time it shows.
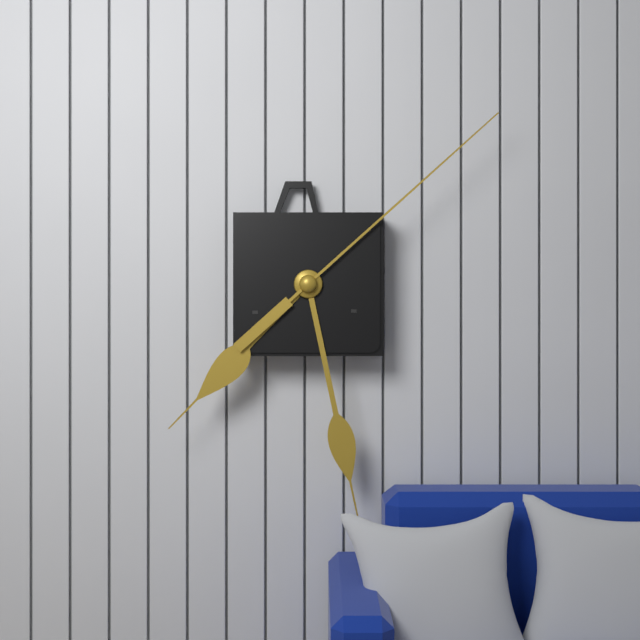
7:28:08
